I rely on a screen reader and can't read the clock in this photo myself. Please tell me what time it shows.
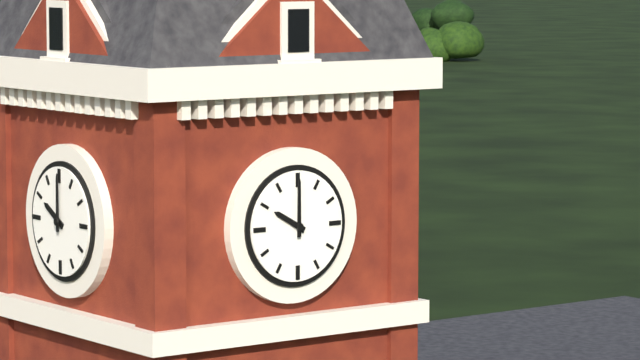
10:00
